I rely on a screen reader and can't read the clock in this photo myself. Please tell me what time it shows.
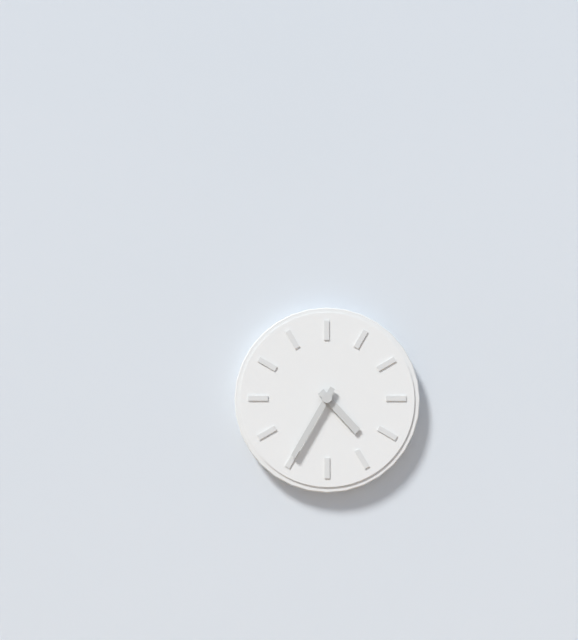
4:35
